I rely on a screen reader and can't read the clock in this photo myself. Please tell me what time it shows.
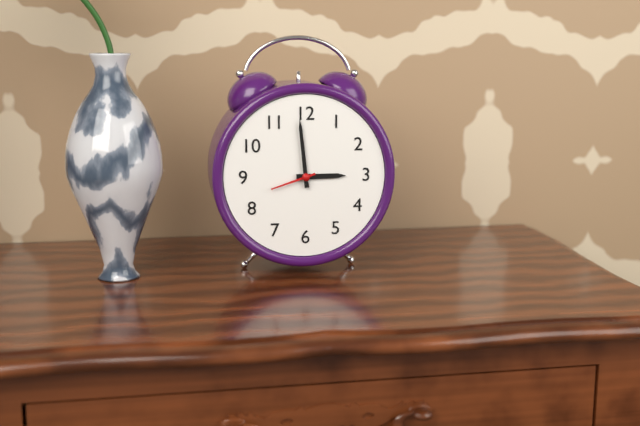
2:59
